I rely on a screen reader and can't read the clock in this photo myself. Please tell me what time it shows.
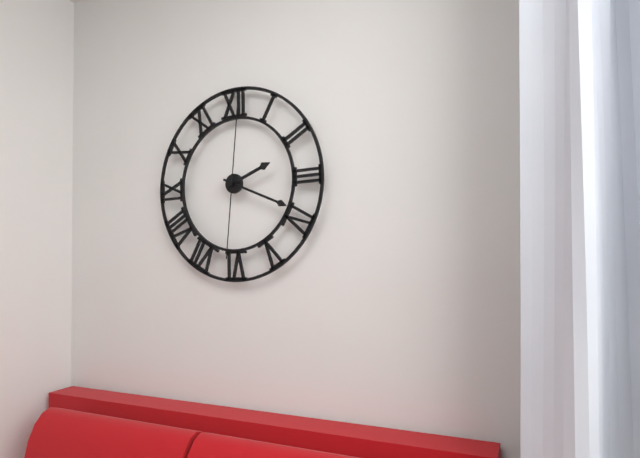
2:19:01
